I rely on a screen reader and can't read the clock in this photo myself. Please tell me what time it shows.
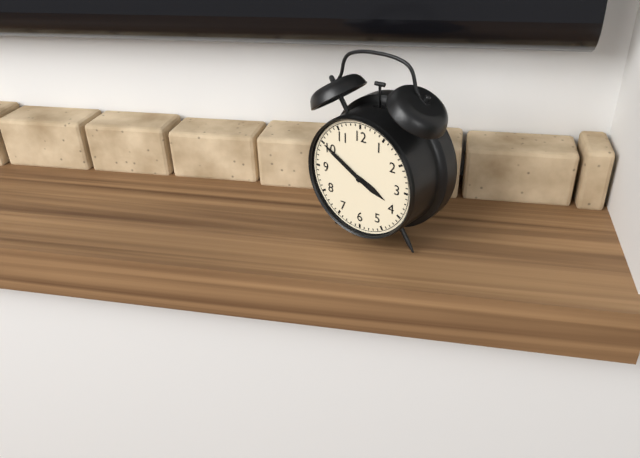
3:50
